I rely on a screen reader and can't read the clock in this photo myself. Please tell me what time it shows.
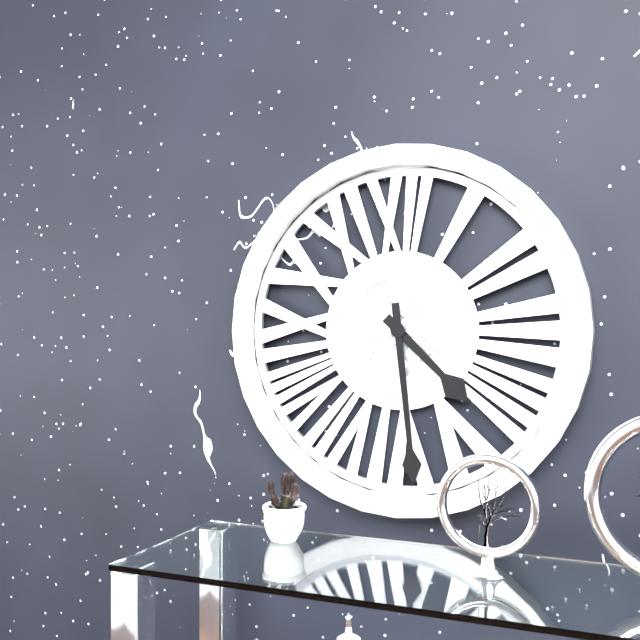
4:29
